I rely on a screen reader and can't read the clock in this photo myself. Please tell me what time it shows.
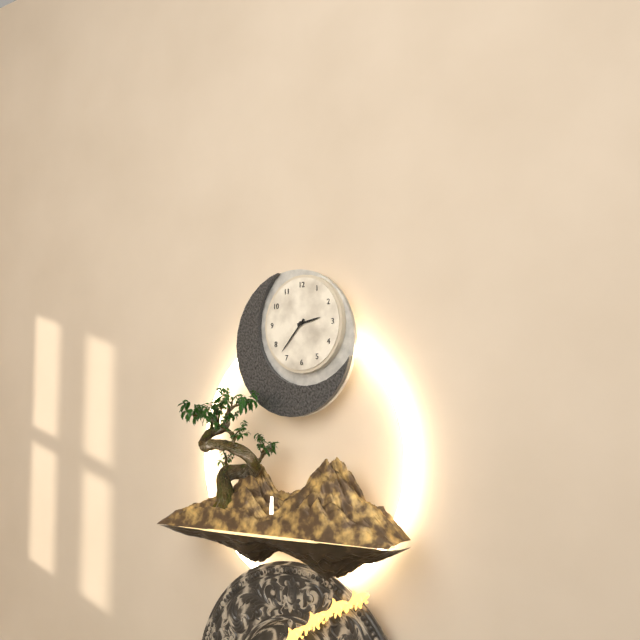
2:37
